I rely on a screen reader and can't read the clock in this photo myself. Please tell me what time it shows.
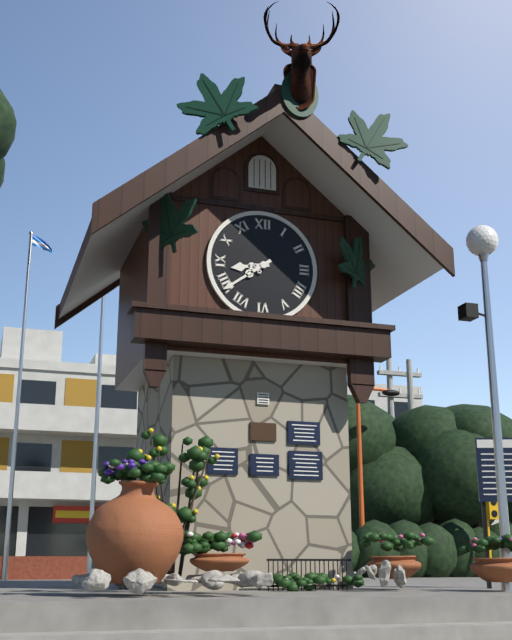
8:39
